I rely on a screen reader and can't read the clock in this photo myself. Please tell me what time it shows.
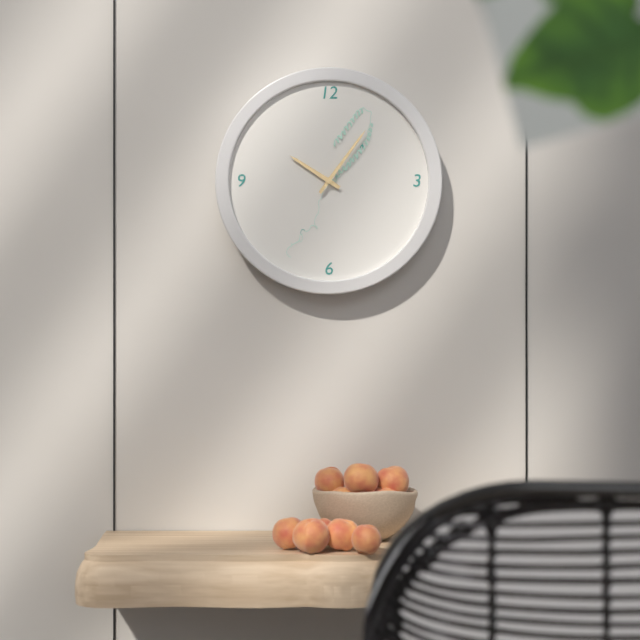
10:06
